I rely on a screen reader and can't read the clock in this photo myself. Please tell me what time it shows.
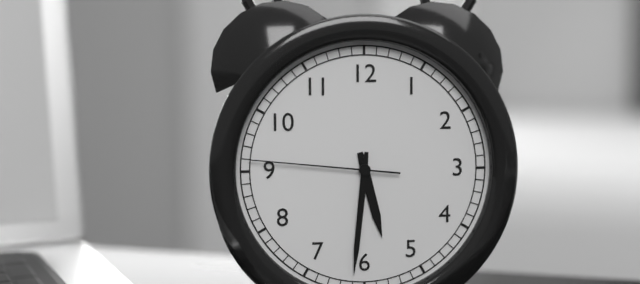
5:31:46
